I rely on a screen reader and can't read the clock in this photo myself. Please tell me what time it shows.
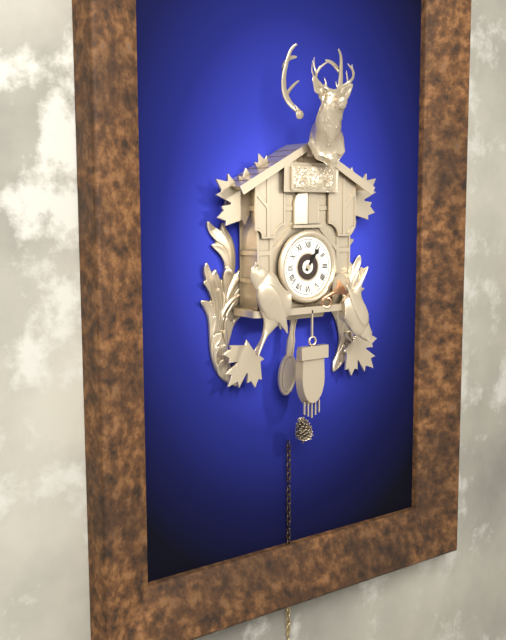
1:06
